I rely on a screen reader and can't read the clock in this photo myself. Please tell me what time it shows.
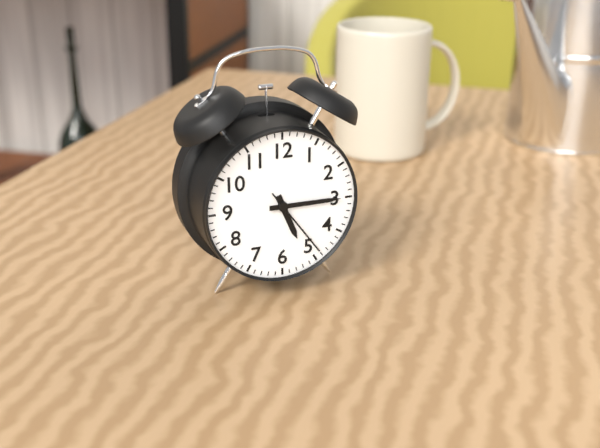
5:15:24
